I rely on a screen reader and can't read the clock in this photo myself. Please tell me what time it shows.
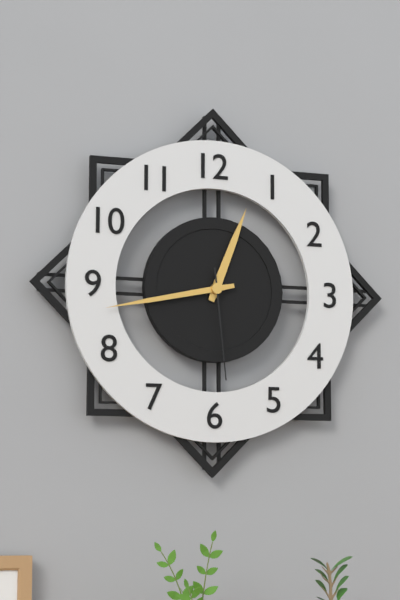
12:43:29
